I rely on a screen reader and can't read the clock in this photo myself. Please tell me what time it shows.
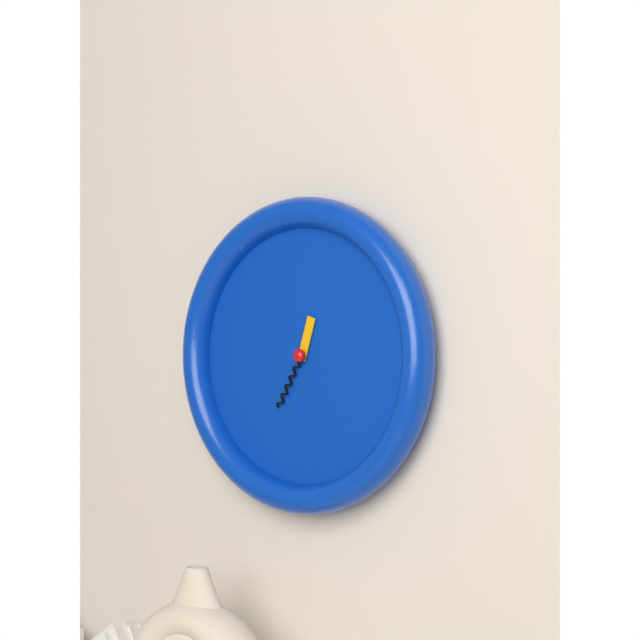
12:35
